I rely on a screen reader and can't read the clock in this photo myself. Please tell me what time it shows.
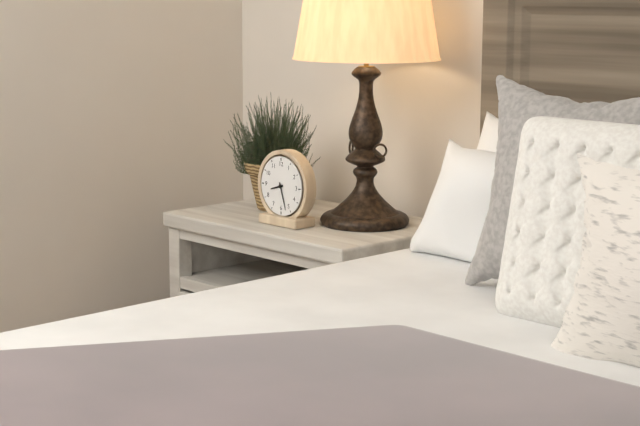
8:27
